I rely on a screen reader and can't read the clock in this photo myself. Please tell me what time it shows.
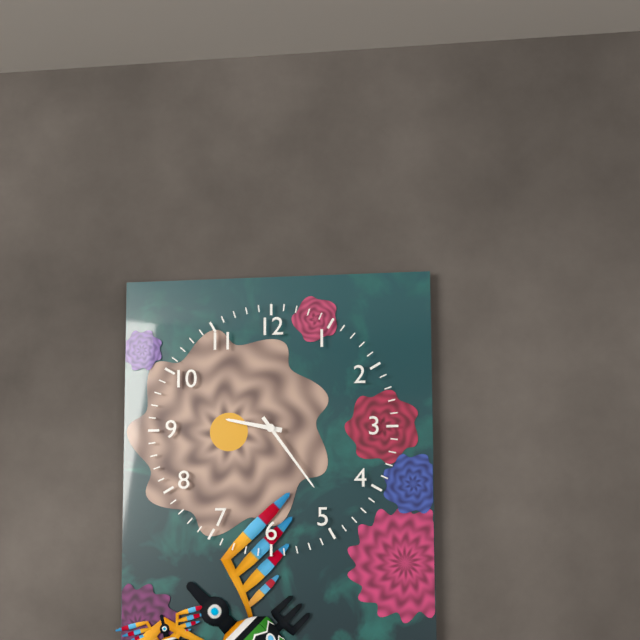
9:24
